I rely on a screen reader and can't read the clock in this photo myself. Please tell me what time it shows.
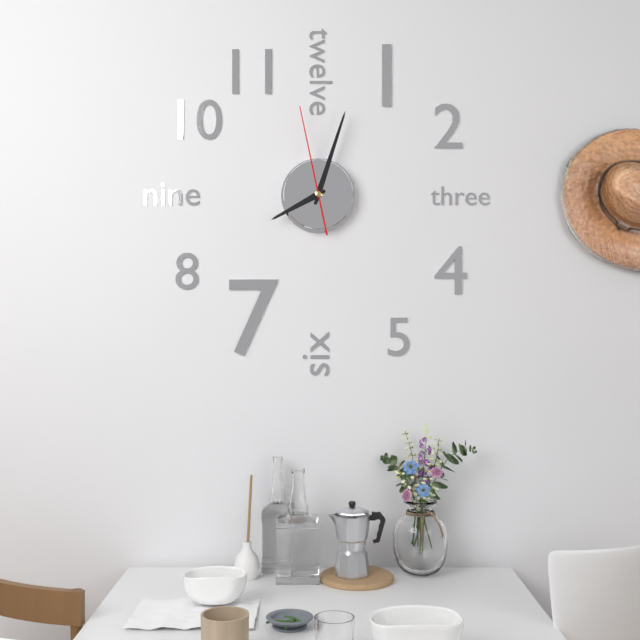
8:03:58
